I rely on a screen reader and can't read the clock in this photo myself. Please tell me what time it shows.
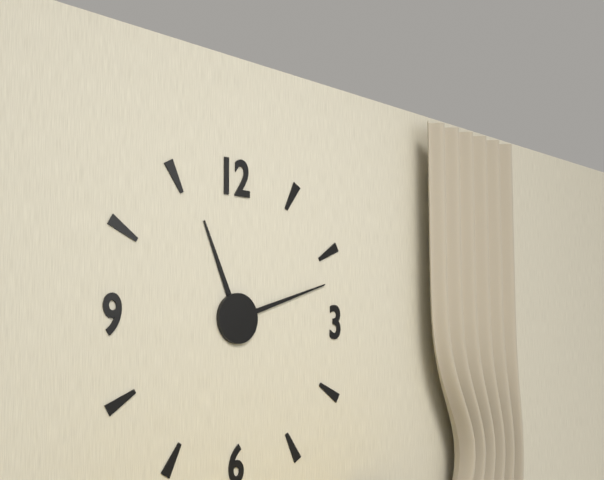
11:12
